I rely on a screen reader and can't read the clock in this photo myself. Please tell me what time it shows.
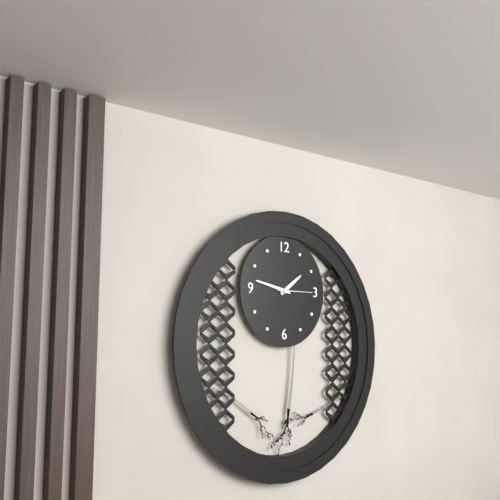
1:47
